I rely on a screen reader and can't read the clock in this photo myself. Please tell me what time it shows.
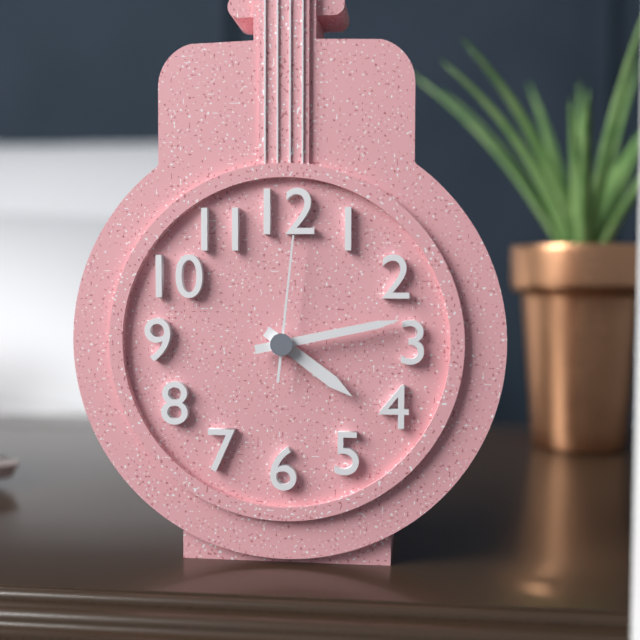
4:13:01
